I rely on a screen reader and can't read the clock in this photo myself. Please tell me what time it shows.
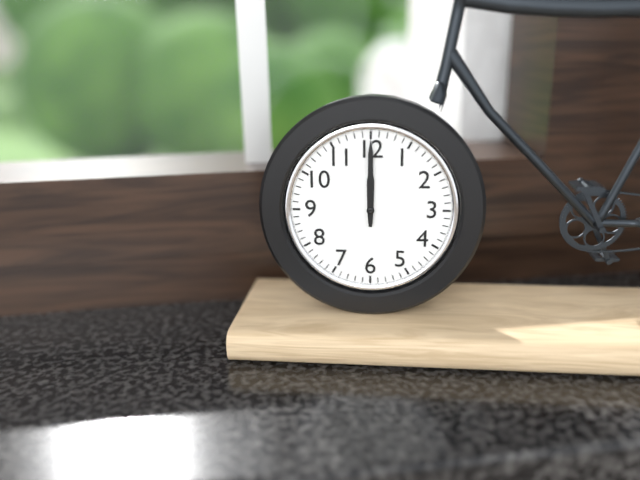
12:00
